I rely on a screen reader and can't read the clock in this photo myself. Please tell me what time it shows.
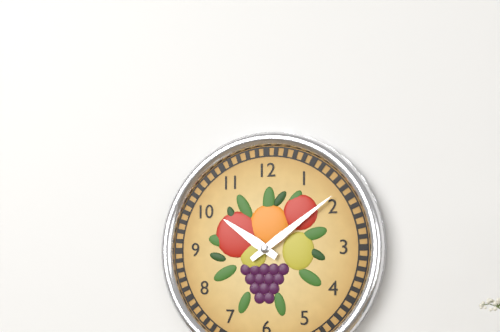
10:09
